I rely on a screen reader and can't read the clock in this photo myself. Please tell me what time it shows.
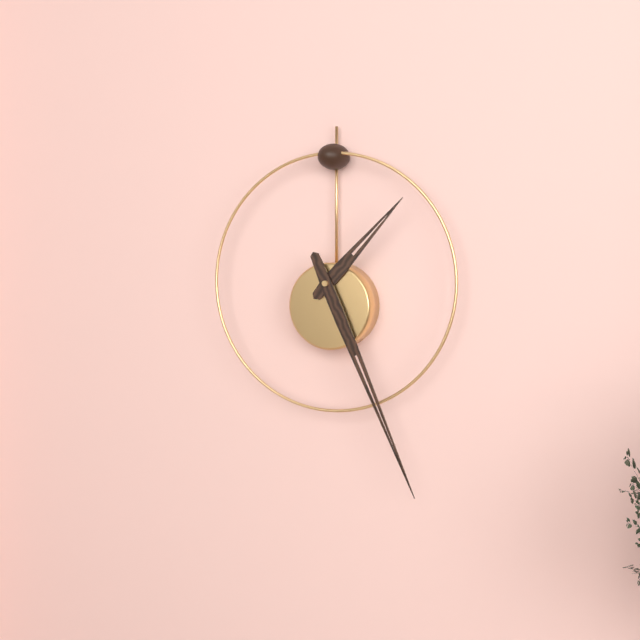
1:26
